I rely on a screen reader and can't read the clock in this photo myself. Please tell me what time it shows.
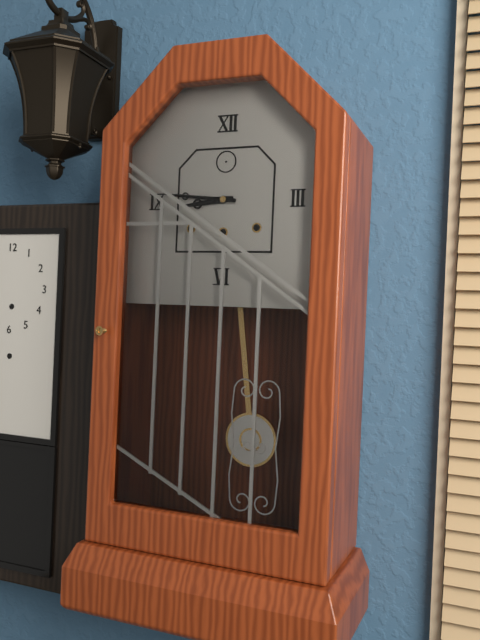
8:46
